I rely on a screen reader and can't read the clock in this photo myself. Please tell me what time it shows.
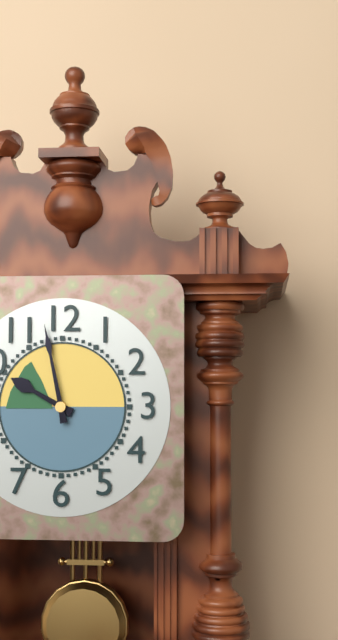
9:58
